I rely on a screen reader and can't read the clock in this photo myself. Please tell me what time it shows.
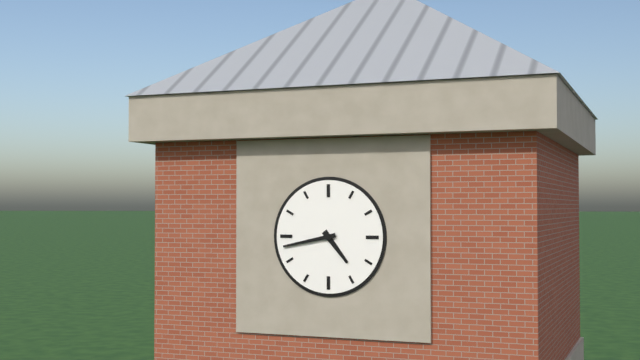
4:43
